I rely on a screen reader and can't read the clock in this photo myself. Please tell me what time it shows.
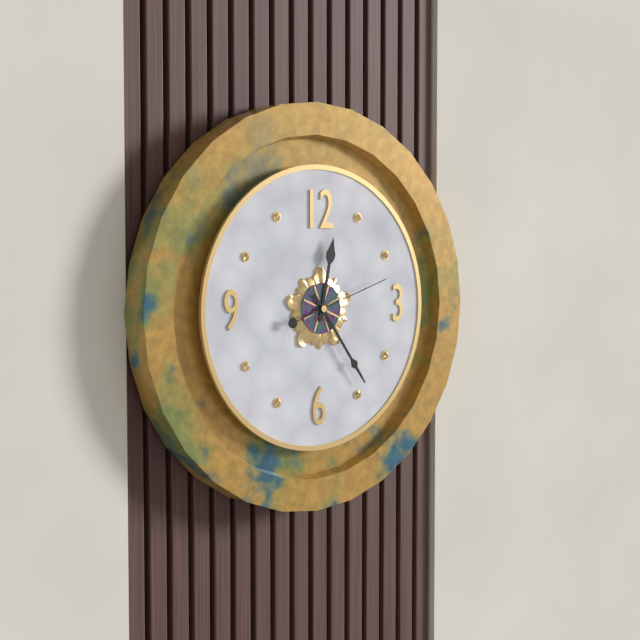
12:24:12
